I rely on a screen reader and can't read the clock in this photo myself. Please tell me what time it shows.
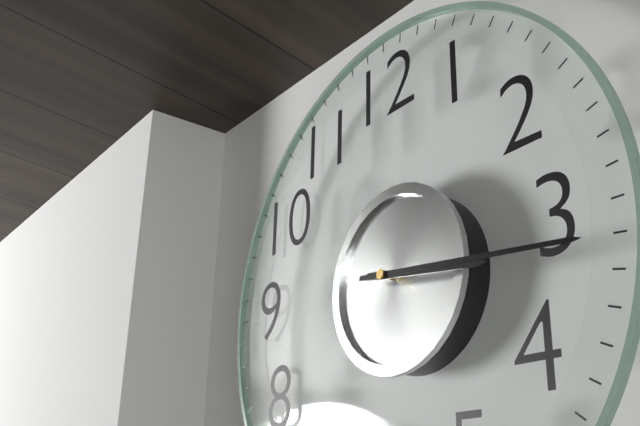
3:16
